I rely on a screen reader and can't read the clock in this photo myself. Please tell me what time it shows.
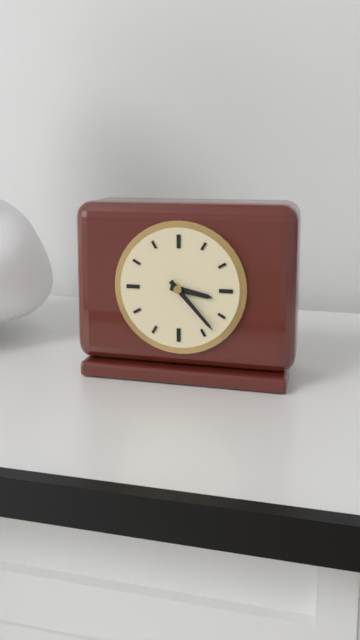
3:23
